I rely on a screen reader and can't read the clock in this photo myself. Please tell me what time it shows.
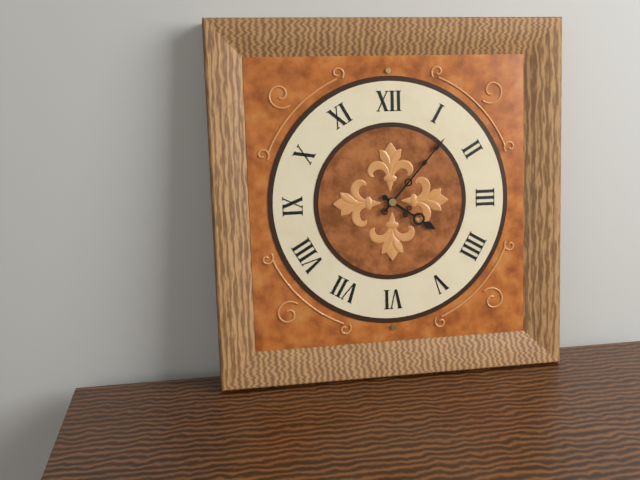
4:07
